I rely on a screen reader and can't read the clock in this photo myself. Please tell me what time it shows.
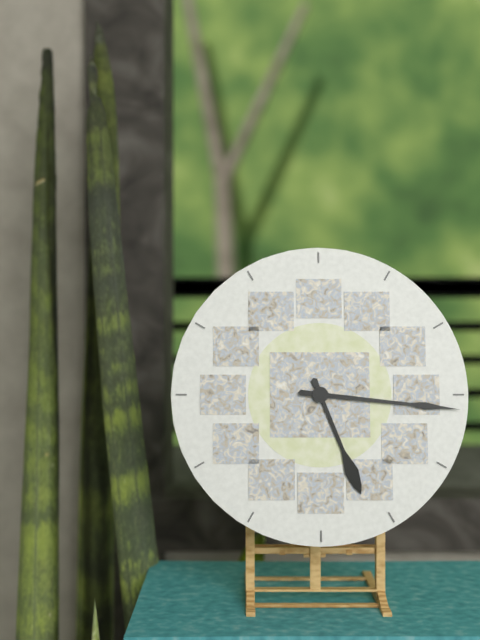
5:16
